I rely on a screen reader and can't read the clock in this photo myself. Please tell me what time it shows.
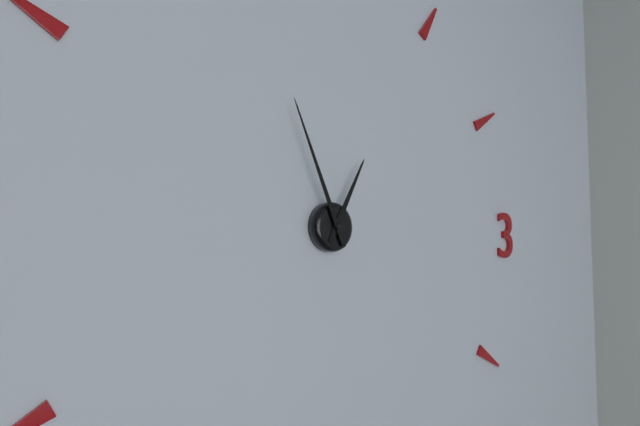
12:56
